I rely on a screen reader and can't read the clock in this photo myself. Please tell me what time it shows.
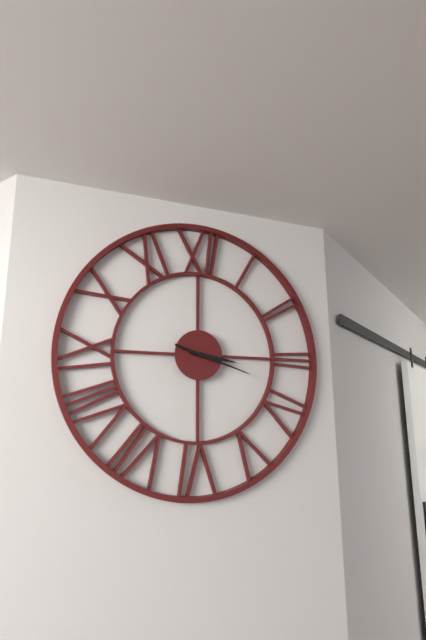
3:18
